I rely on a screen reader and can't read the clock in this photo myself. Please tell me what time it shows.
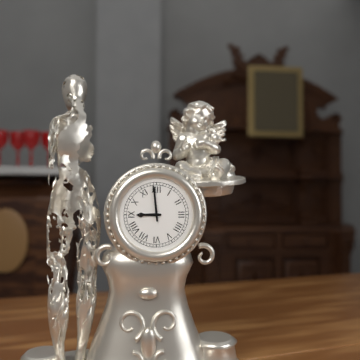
8:59
